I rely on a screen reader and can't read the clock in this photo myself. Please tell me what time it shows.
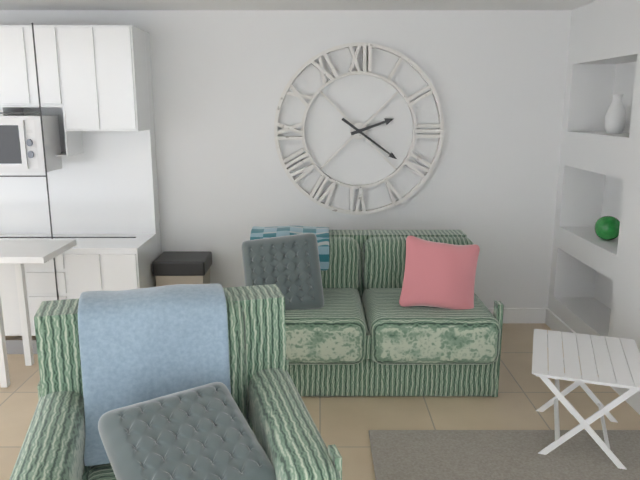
2:21
